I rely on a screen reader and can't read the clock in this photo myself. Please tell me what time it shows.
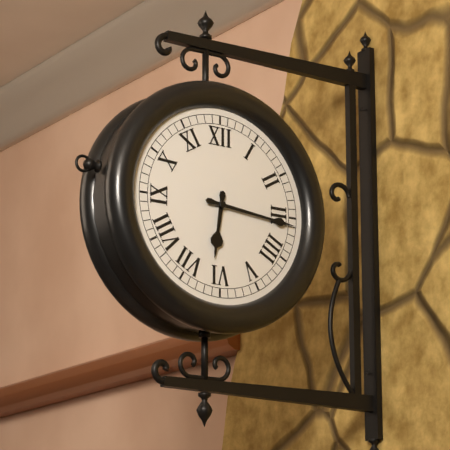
6:16
